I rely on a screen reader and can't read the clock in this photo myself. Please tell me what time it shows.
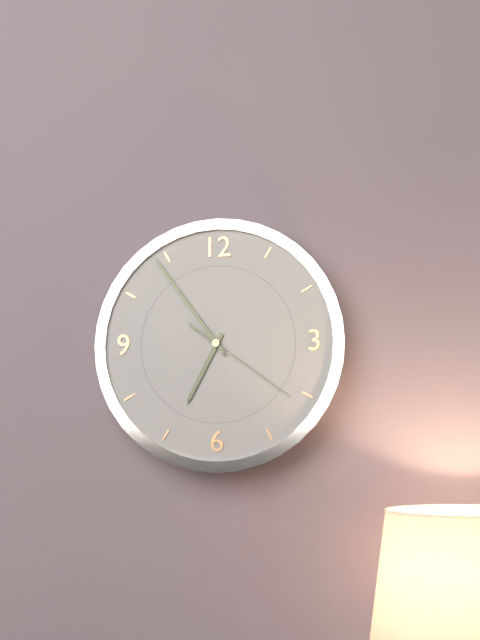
6:54:21
